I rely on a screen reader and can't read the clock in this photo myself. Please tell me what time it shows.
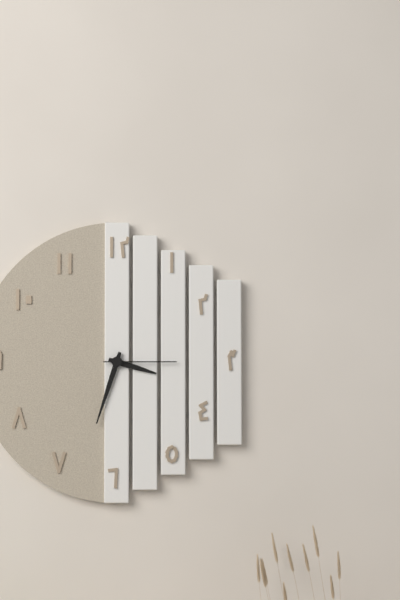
3:33:15
